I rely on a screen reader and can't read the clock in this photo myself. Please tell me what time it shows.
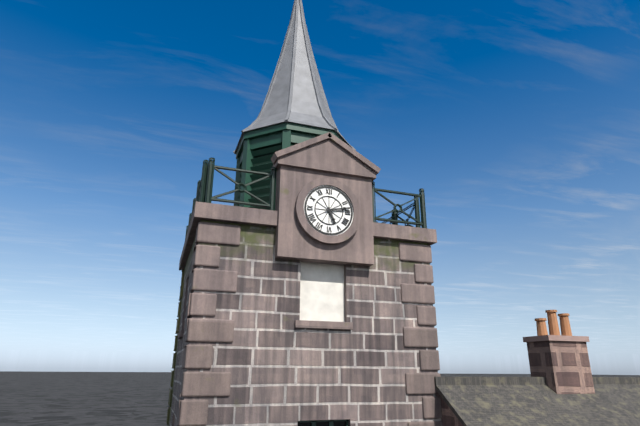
5:13
